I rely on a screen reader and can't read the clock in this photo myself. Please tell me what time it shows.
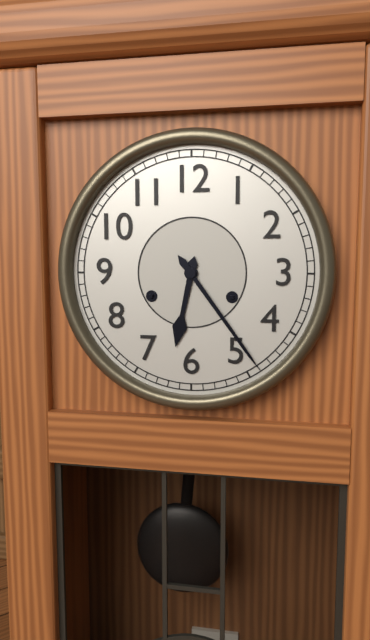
6:24
